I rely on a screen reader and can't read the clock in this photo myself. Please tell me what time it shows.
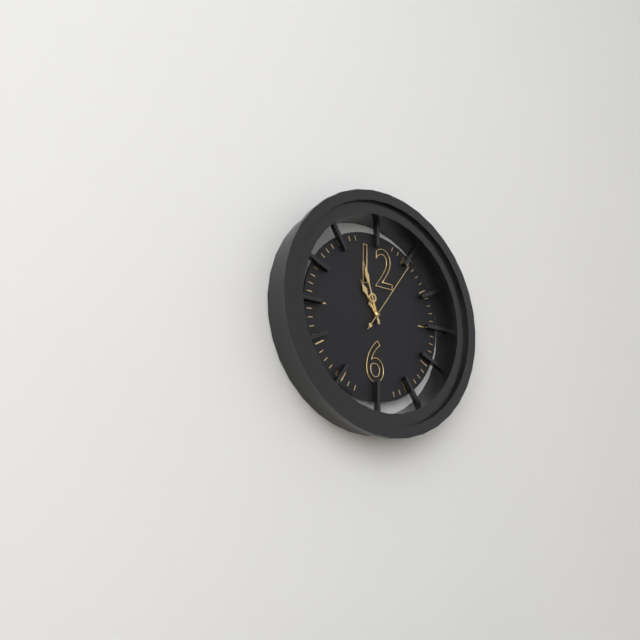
10:57:06
